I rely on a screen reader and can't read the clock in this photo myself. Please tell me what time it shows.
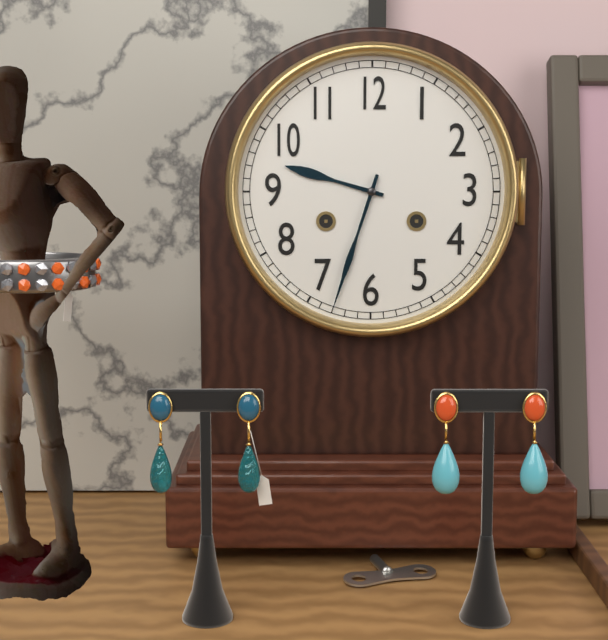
9:33
